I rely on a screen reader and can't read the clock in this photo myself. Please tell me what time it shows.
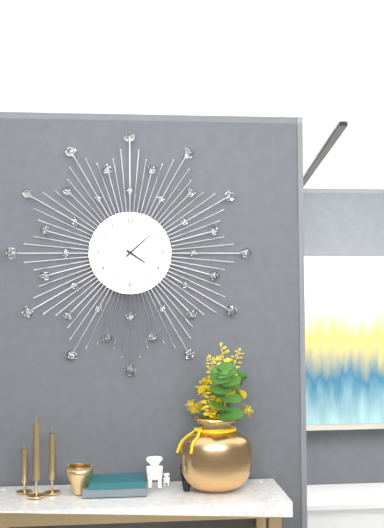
4:08
